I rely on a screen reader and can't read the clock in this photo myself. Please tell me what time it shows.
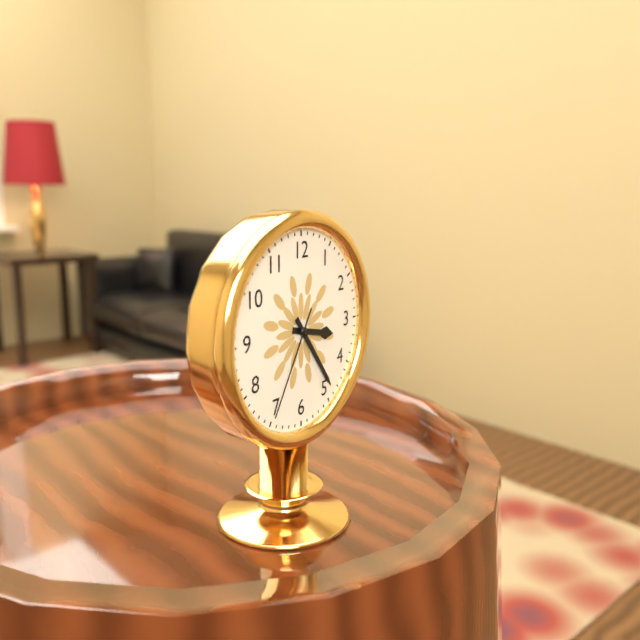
3:24:35
